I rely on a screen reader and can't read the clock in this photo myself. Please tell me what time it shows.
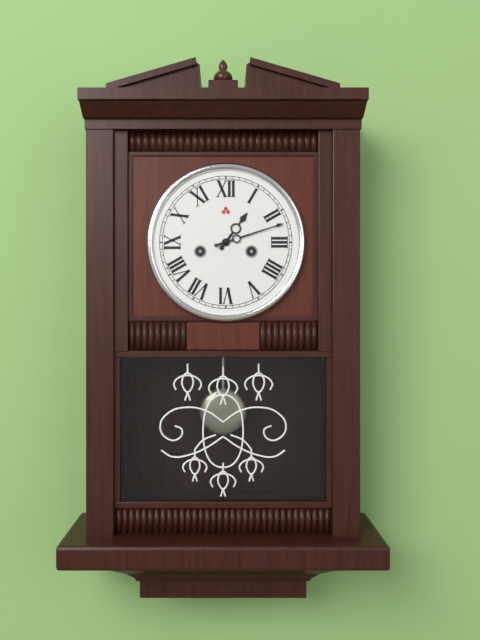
1:12
